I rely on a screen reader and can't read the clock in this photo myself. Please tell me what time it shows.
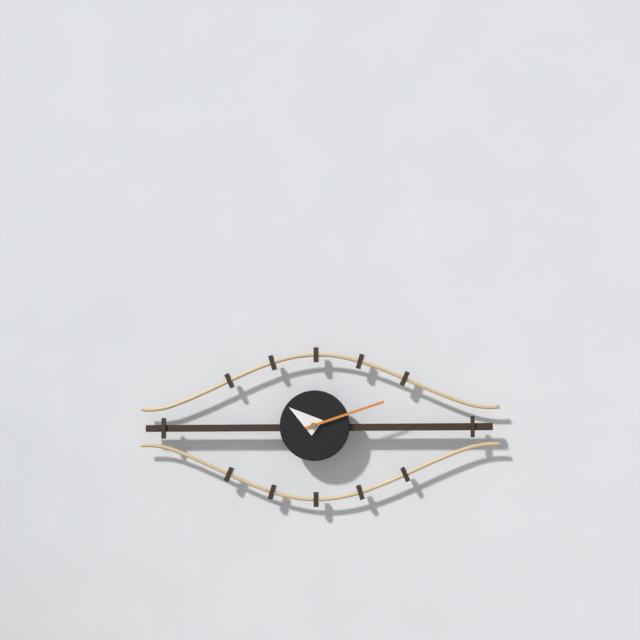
10:12
